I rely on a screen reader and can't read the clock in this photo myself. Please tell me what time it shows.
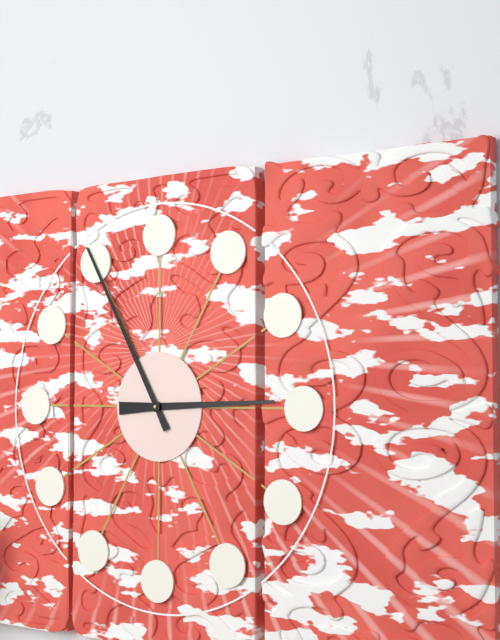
2:55
